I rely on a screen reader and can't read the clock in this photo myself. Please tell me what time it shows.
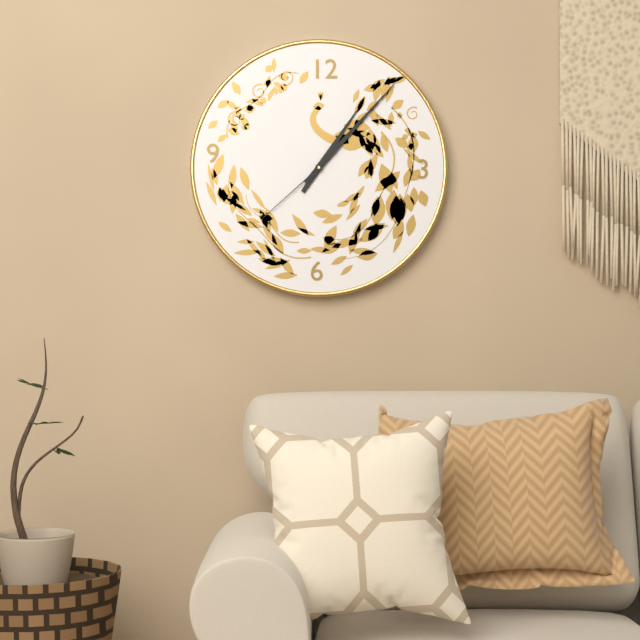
1:07:38
